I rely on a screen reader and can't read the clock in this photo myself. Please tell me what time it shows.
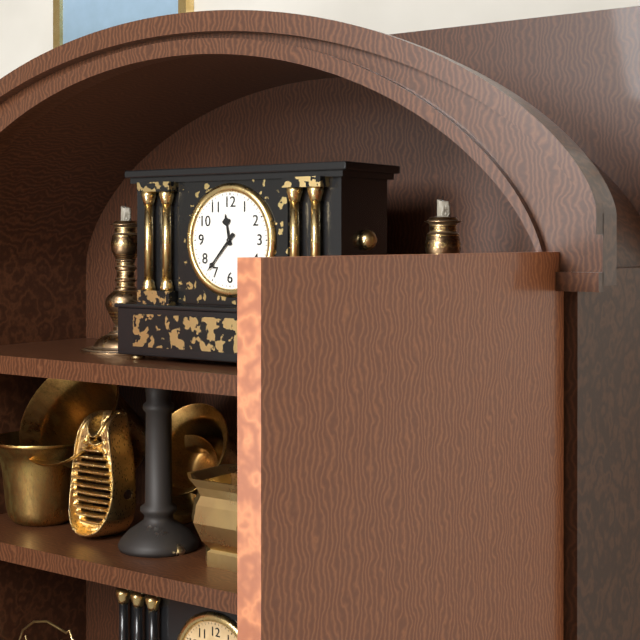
11:37
